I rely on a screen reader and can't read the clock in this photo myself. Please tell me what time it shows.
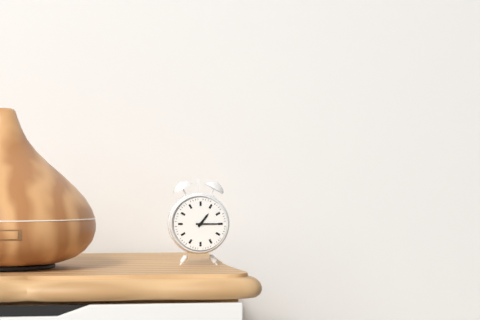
1:15
